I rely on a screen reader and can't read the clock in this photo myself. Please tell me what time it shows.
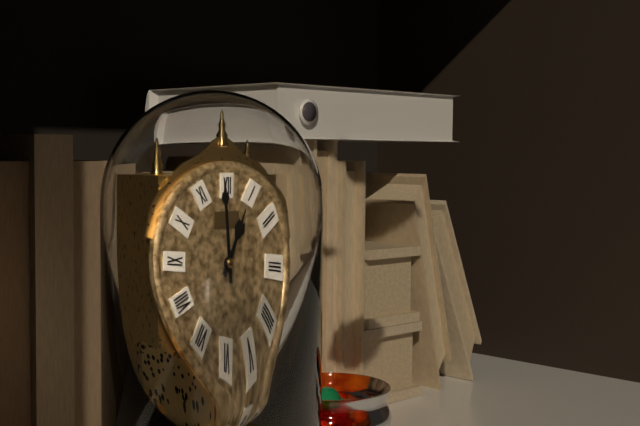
12:59
